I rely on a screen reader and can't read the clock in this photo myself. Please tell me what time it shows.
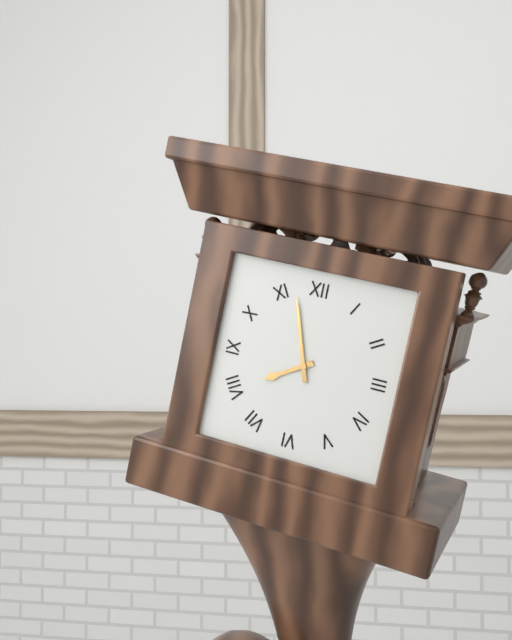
7:57
